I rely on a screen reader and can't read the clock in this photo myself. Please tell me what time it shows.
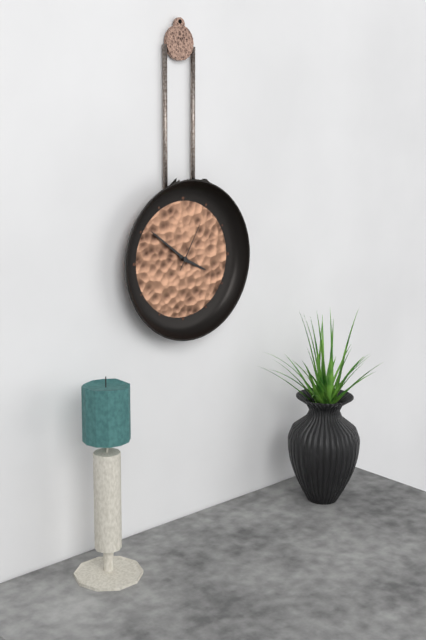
3:51:05
